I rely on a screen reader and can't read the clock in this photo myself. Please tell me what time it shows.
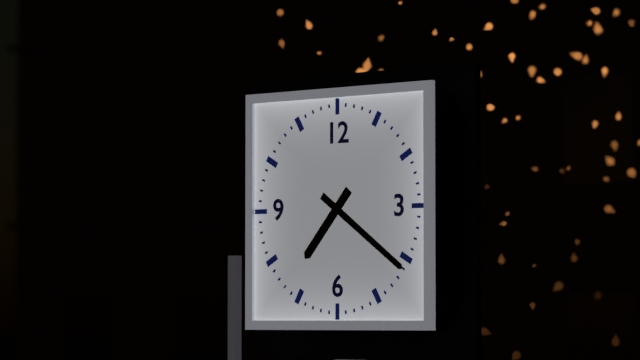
7:21
